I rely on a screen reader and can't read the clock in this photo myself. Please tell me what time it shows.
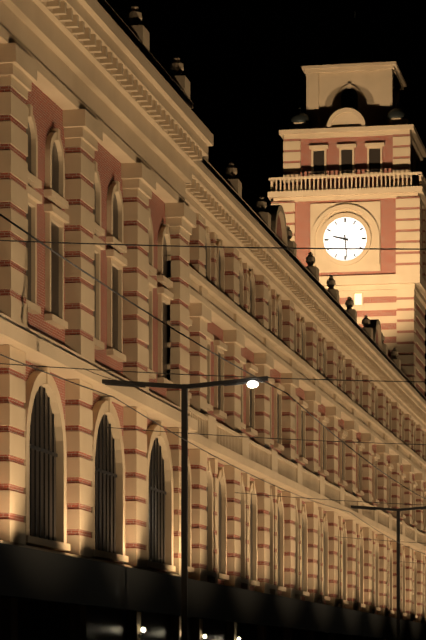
9:29
